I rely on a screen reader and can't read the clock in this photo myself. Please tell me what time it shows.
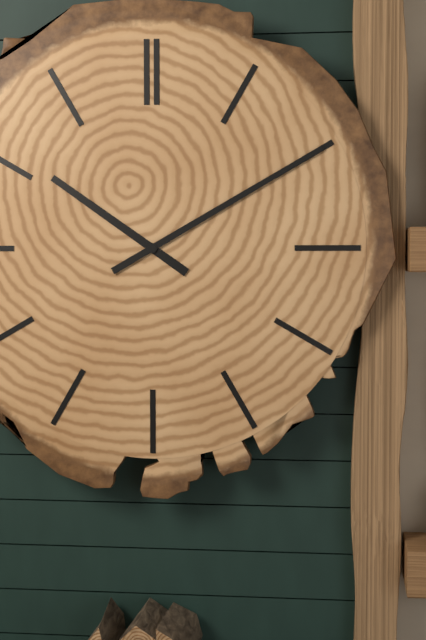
10:10
